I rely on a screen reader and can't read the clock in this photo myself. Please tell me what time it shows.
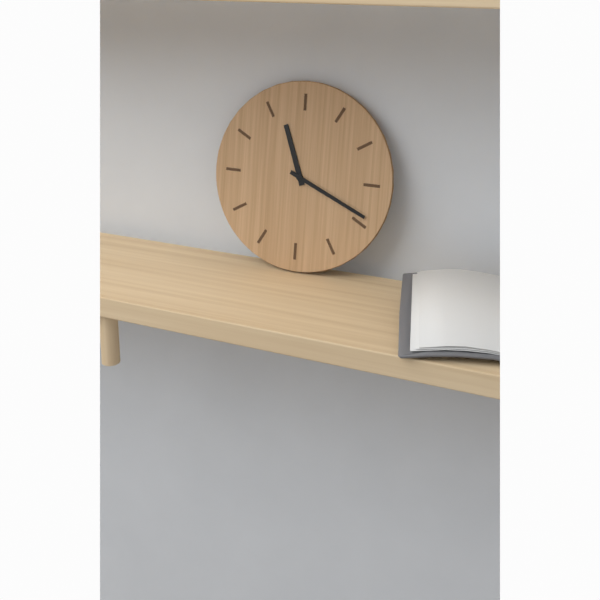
11:19
